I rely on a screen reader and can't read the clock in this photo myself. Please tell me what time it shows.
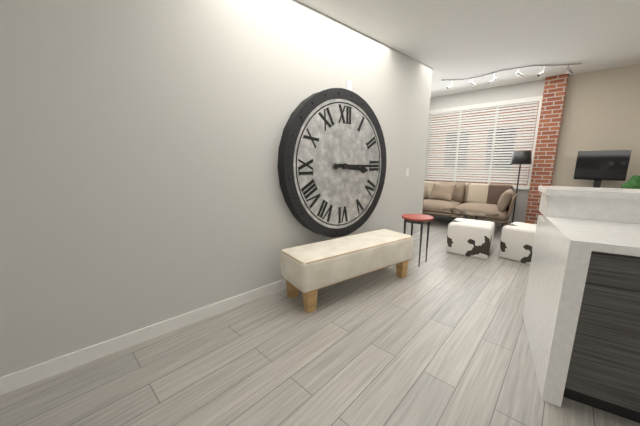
3:15
